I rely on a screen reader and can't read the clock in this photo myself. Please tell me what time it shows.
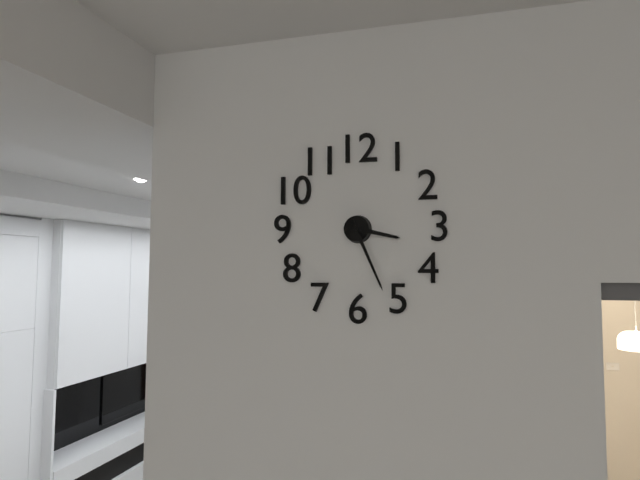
3:26
